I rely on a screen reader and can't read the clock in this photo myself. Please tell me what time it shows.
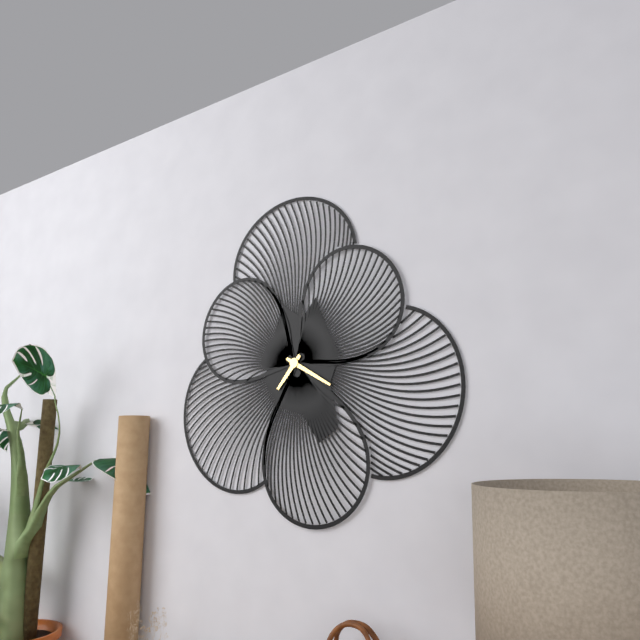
7:20
